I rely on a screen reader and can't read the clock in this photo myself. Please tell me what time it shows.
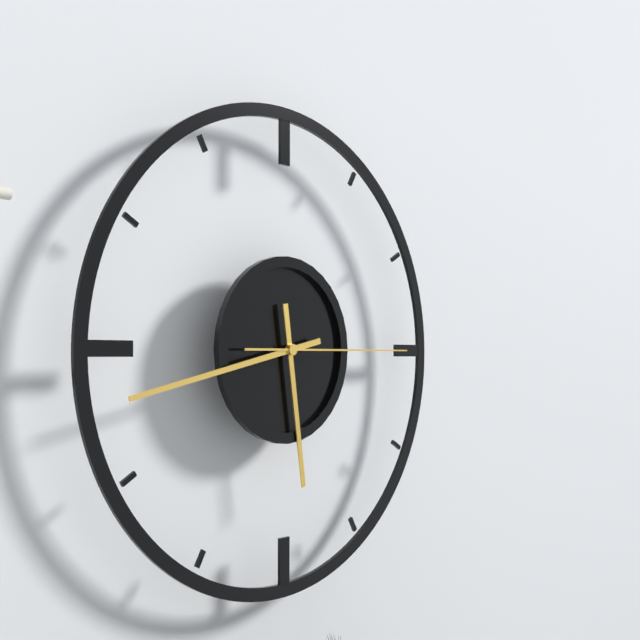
5:43:15
